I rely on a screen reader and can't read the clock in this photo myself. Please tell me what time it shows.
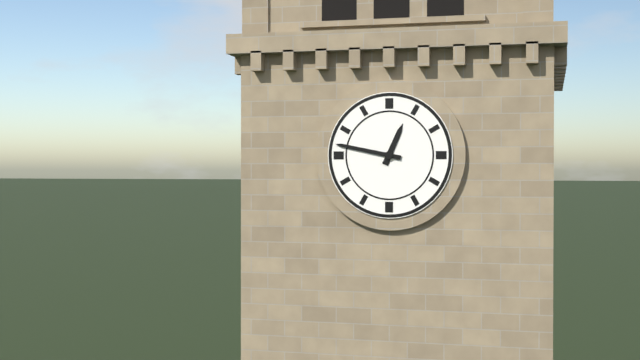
12:47
